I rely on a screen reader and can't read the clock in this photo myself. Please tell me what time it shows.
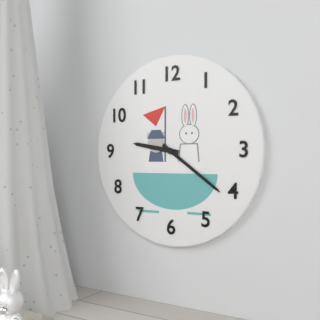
9:21
